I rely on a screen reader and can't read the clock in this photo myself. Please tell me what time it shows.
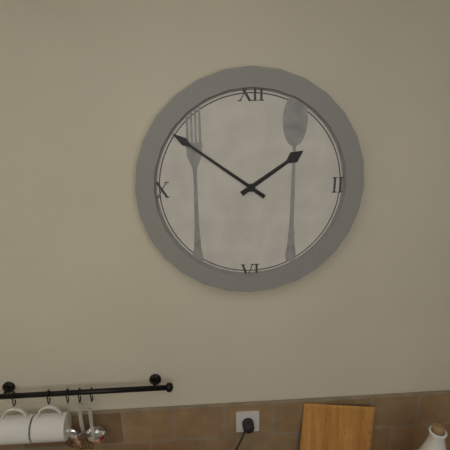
1:51
